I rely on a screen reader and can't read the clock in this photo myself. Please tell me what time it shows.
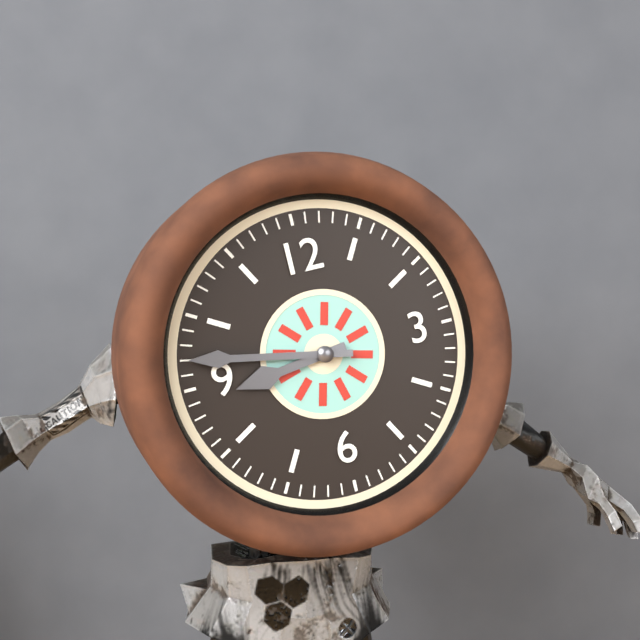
8:47
